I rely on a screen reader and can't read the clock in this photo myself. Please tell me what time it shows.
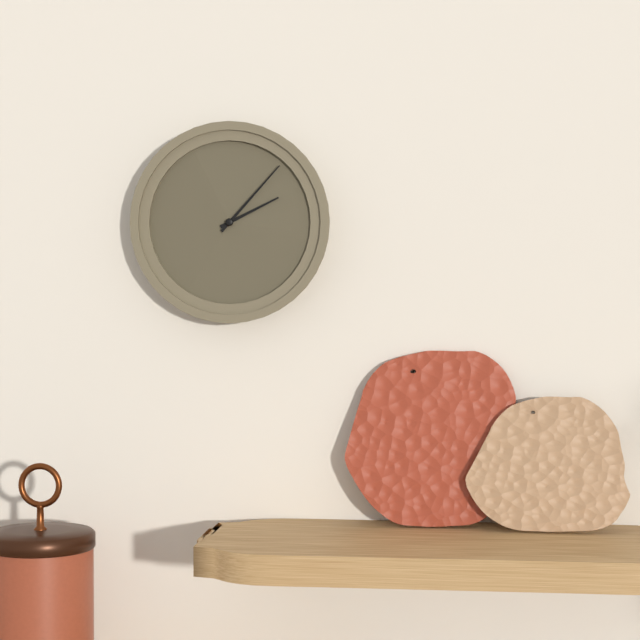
2:07
